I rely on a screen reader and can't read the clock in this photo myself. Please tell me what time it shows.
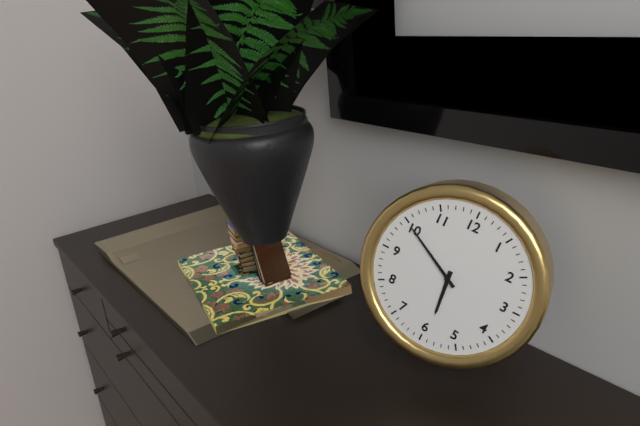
5:50
